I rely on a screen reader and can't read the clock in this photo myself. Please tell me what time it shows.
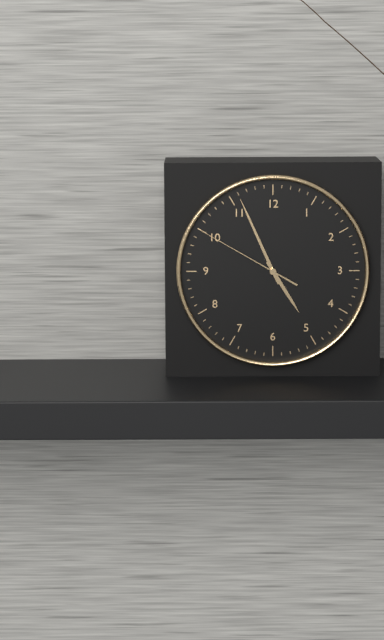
4:56:50
